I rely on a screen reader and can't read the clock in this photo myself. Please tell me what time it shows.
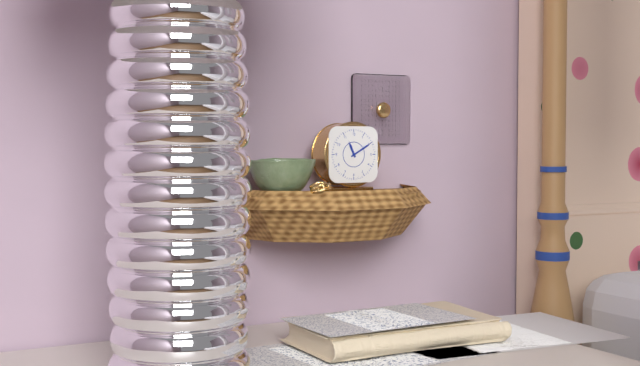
11:10
